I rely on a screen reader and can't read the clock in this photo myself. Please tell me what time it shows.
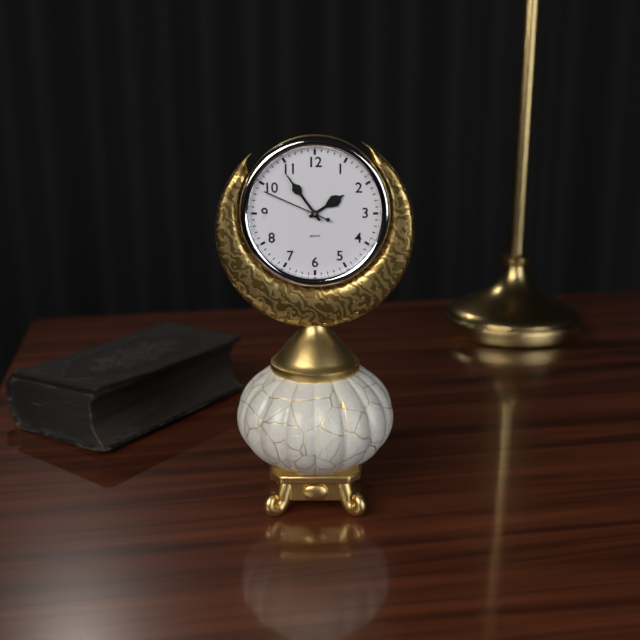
1:54:49
